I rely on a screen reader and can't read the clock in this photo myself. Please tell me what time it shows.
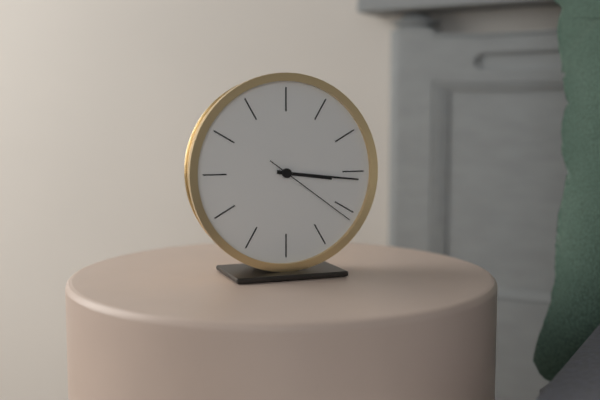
3:16:21
